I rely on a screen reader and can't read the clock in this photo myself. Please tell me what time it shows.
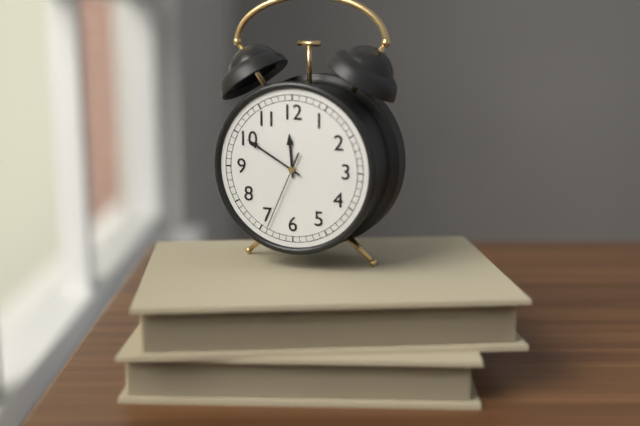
11:50:34
